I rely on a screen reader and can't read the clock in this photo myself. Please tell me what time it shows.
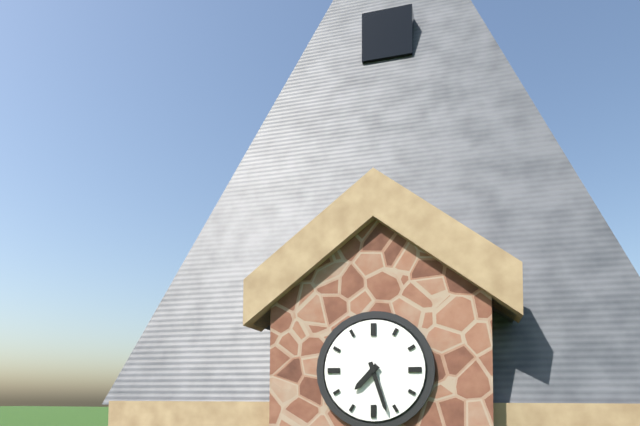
7:27
